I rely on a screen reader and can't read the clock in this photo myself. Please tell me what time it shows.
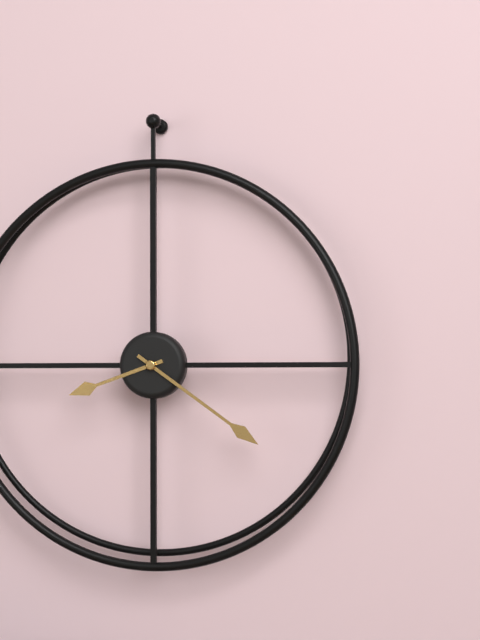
8:21
